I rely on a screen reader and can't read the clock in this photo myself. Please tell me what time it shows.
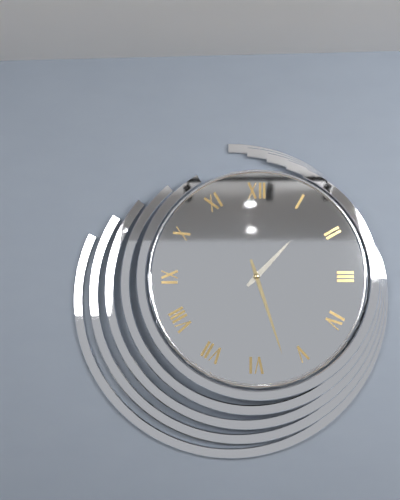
1:27
